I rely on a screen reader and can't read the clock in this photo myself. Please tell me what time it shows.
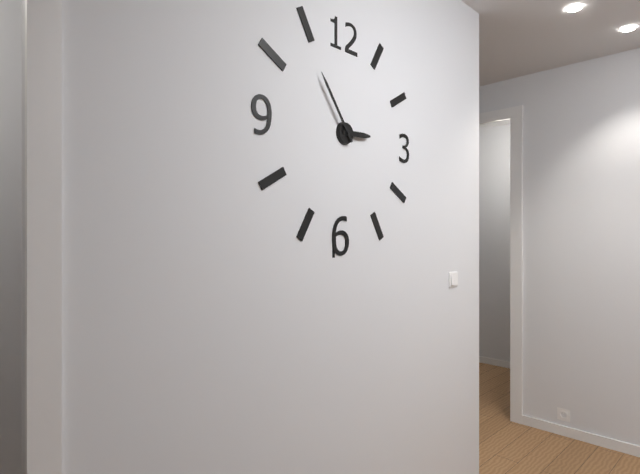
2:54
